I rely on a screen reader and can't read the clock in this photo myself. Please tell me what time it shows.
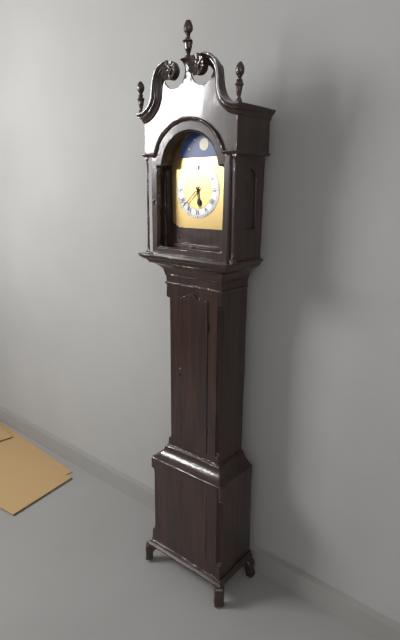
5:38
